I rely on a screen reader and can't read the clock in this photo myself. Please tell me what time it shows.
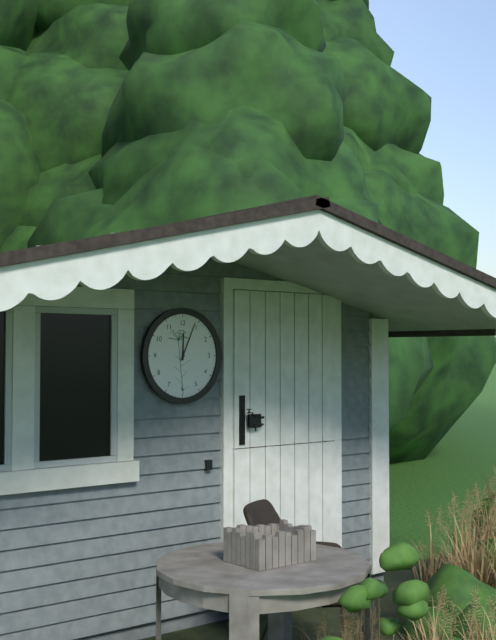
12:04
